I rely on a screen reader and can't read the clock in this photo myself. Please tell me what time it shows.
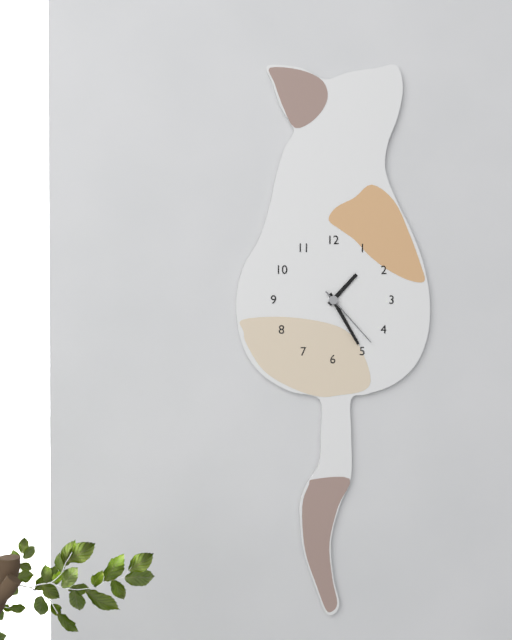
1:25:23
